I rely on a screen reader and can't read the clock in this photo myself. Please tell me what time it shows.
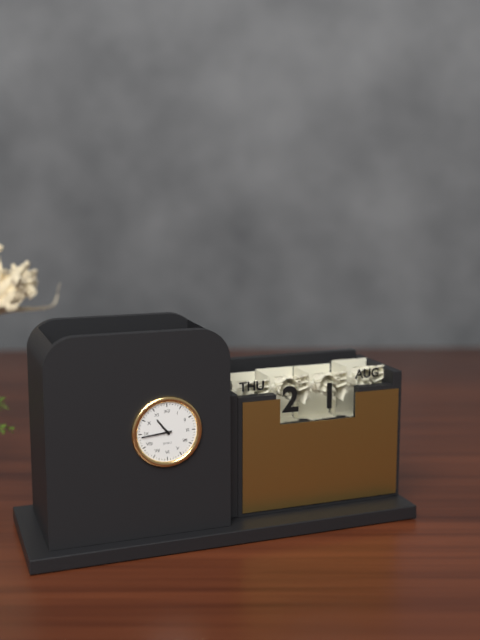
10:44
